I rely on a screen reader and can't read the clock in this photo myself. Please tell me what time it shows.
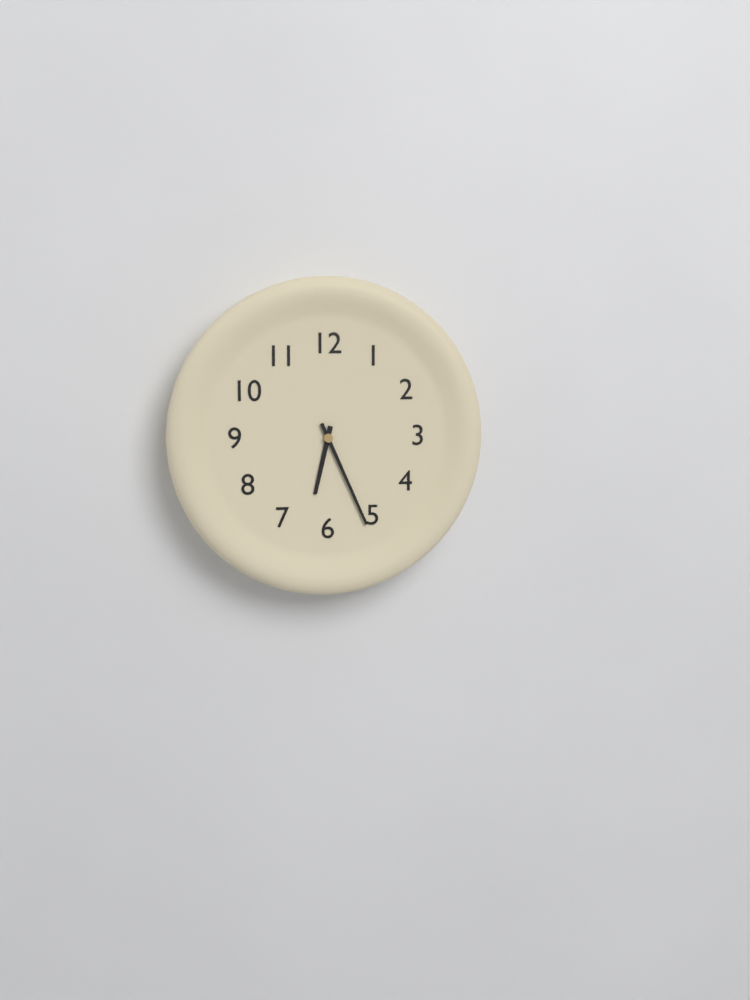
6:26
